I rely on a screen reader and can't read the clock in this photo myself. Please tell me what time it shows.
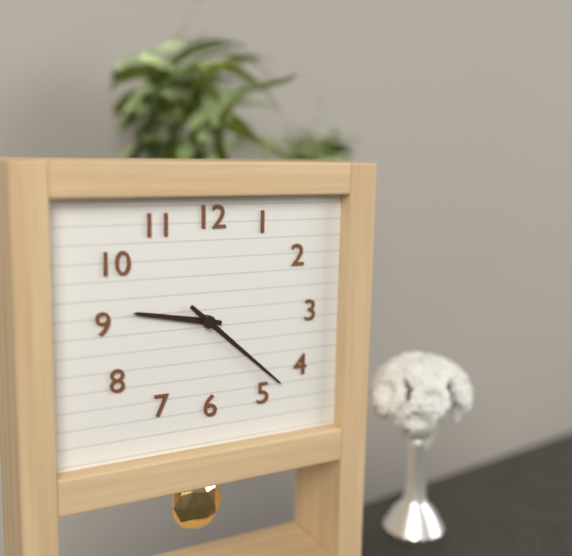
9:22
